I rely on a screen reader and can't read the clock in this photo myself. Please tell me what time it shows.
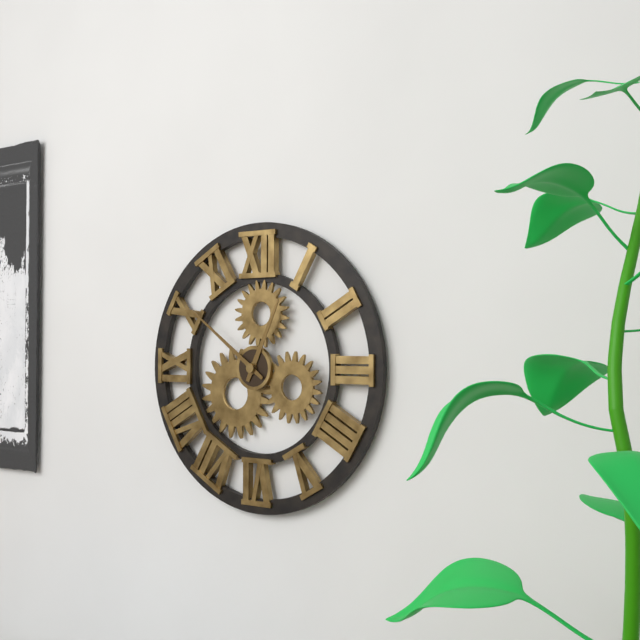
12:51
